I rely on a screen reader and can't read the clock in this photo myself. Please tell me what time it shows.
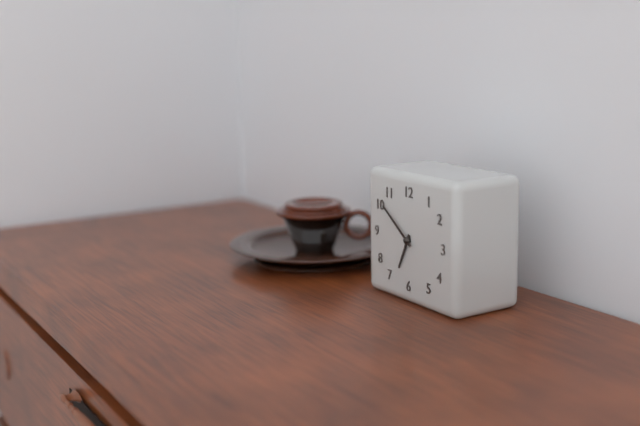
6:51
